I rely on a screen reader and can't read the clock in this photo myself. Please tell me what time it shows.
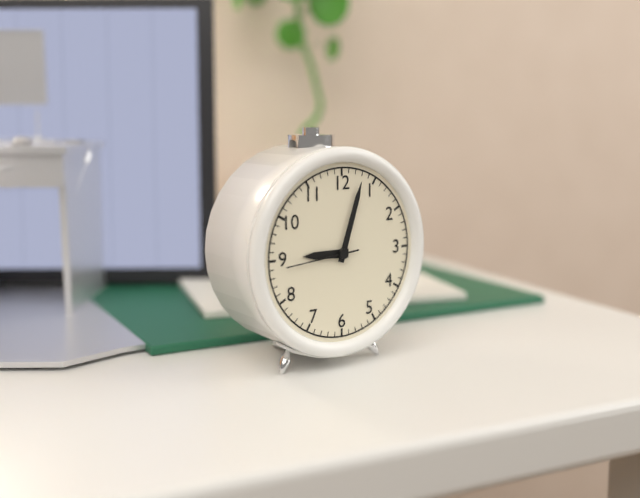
9:03:44
